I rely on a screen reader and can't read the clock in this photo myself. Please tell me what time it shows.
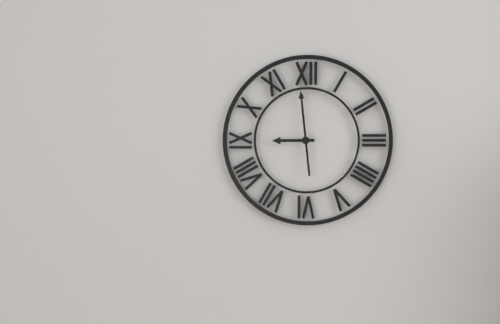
8:59
